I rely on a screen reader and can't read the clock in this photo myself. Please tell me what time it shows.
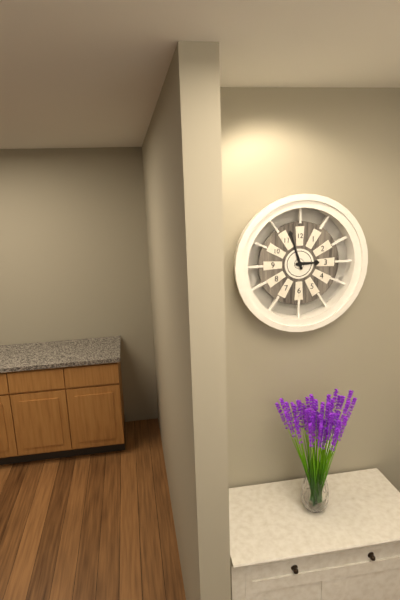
2:57
